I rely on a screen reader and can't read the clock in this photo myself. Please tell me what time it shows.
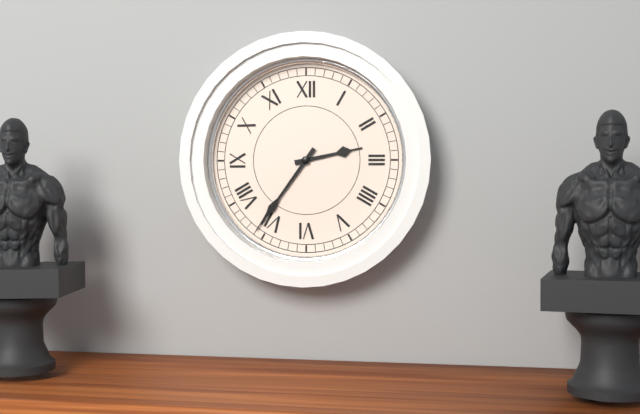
2:36
